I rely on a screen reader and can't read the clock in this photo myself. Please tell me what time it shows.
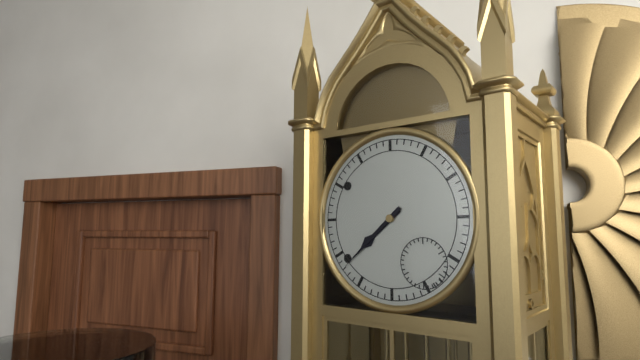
7:38
